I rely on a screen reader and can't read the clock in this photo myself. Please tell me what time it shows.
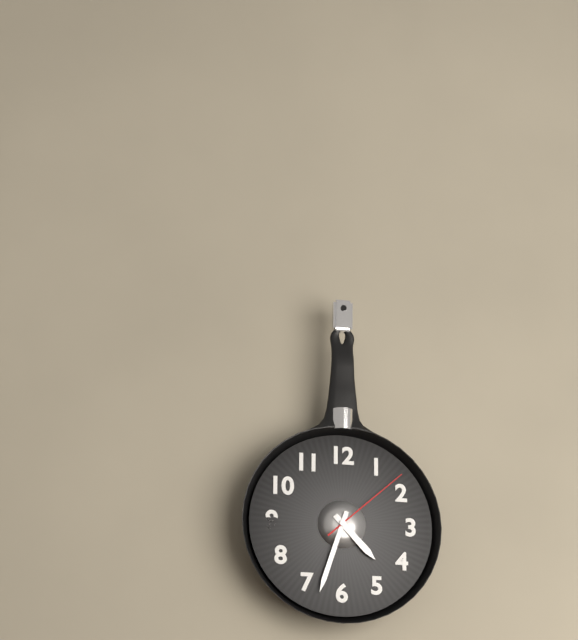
4:33:08
